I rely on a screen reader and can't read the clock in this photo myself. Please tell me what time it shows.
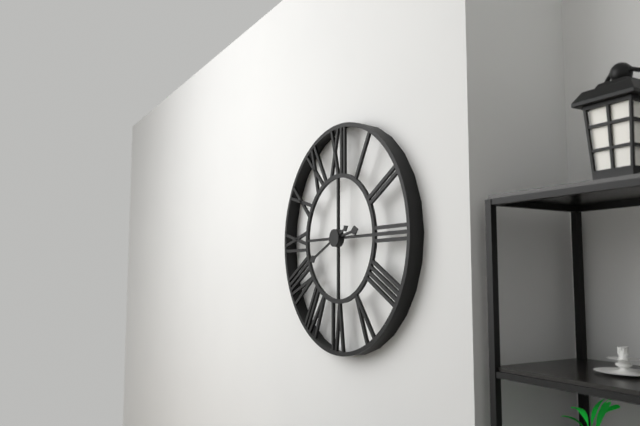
2:41
